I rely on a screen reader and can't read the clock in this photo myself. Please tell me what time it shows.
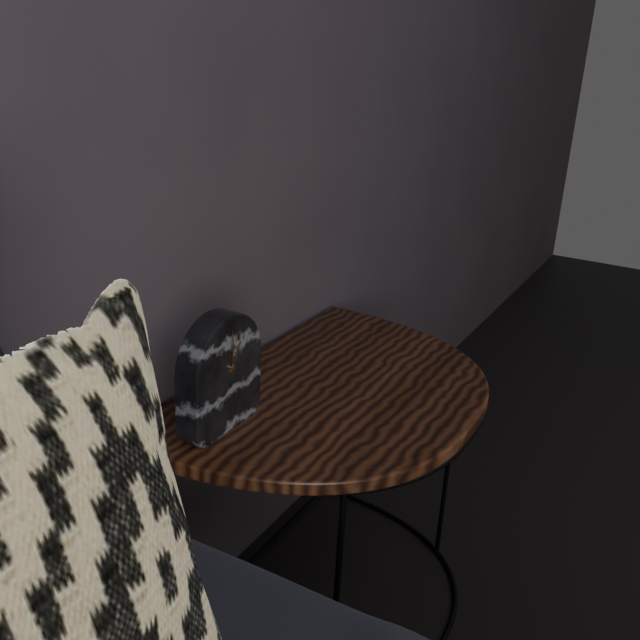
1:00
